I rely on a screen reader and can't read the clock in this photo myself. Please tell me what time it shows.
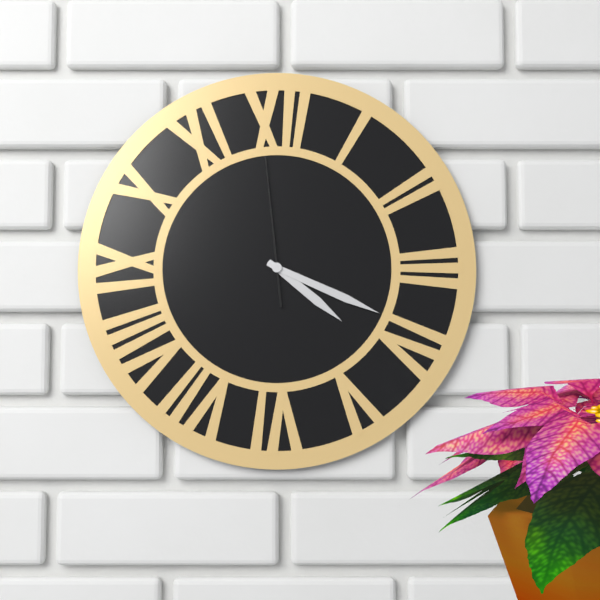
4:19:59
